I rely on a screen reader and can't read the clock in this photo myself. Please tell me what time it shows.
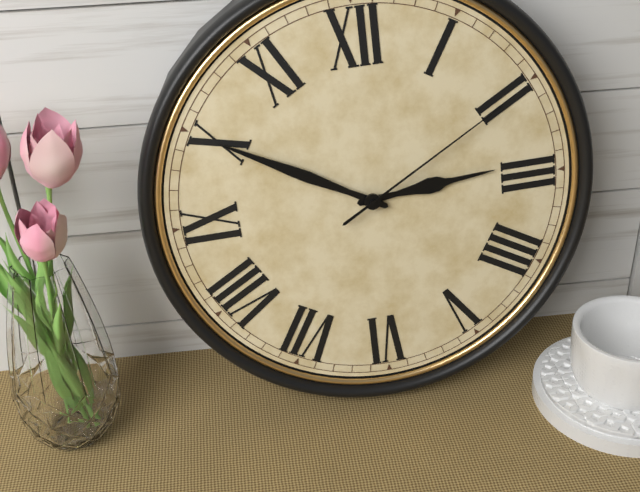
2:50:10
